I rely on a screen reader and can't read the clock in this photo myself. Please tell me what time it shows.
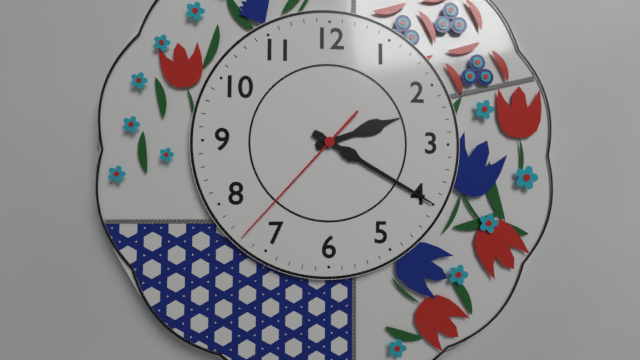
2:20:37
